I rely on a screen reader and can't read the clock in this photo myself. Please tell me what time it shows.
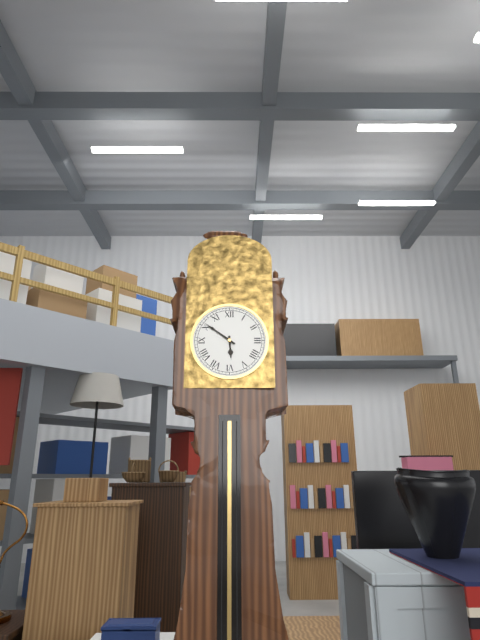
5:51
